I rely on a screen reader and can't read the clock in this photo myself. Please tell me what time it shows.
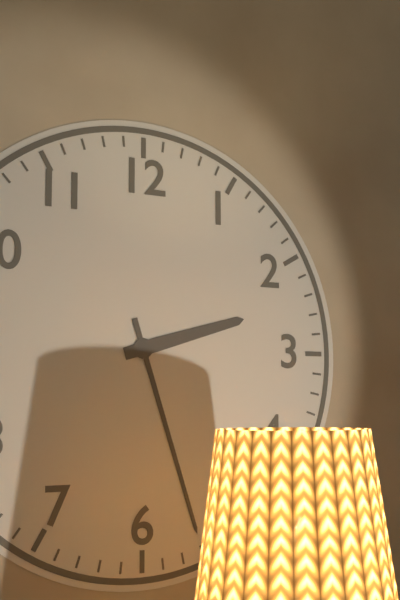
2:27
